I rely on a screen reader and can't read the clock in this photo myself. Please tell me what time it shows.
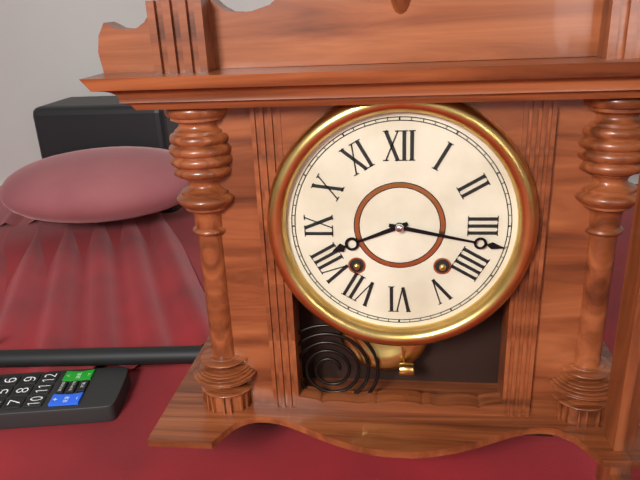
8:17
